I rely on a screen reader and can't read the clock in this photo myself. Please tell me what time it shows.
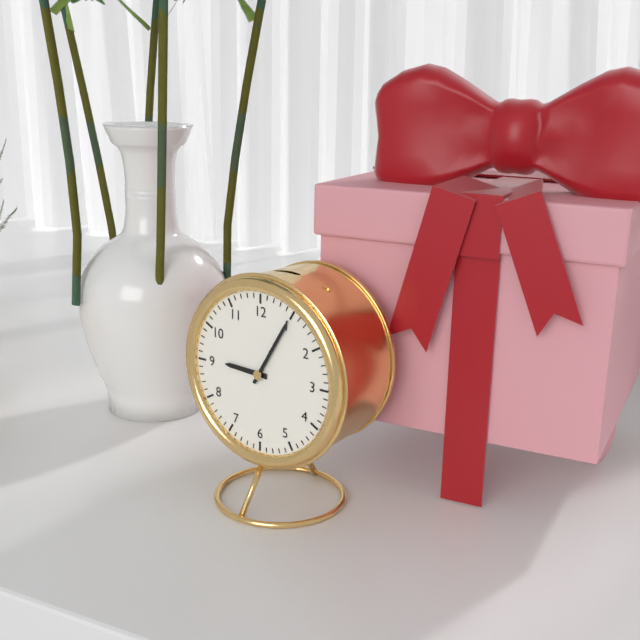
9:05
